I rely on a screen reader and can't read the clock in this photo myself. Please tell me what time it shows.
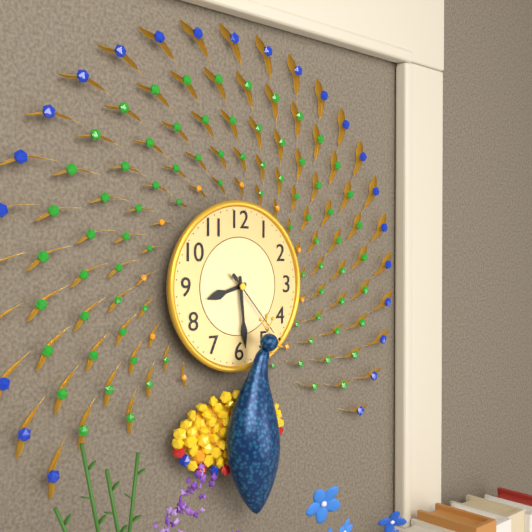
8:29:23
